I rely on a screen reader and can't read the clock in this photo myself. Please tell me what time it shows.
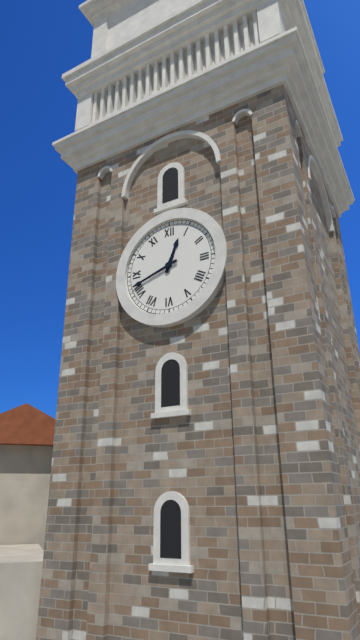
12:42
